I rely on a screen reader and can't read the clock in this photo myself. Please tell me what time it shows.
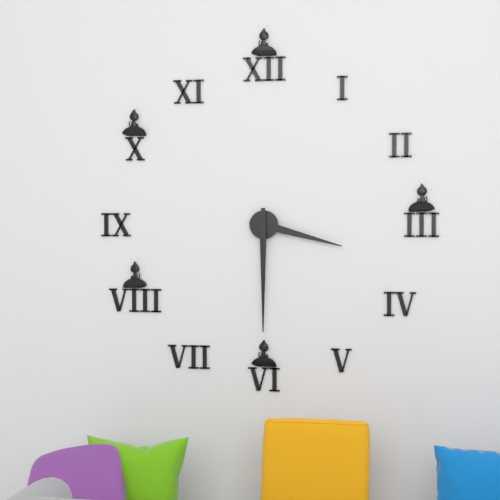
3:30
